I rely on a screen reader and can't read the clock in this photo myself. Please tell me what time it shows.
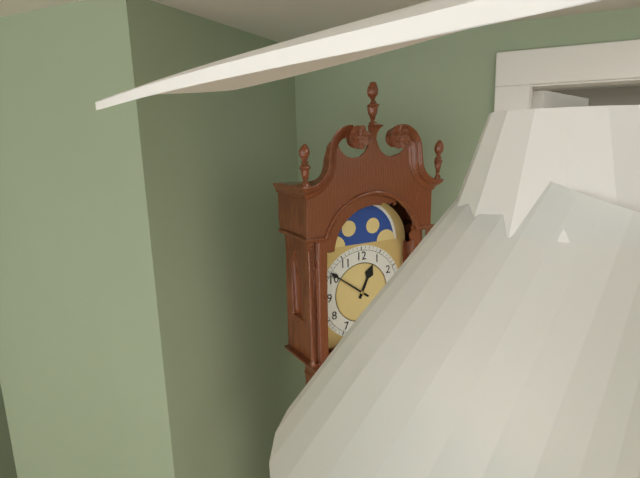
12:51
